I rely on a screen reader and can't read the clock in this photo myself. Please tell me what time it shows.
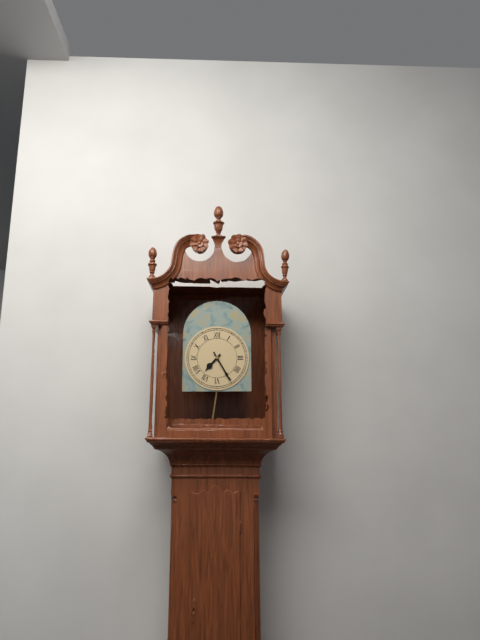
7:25
